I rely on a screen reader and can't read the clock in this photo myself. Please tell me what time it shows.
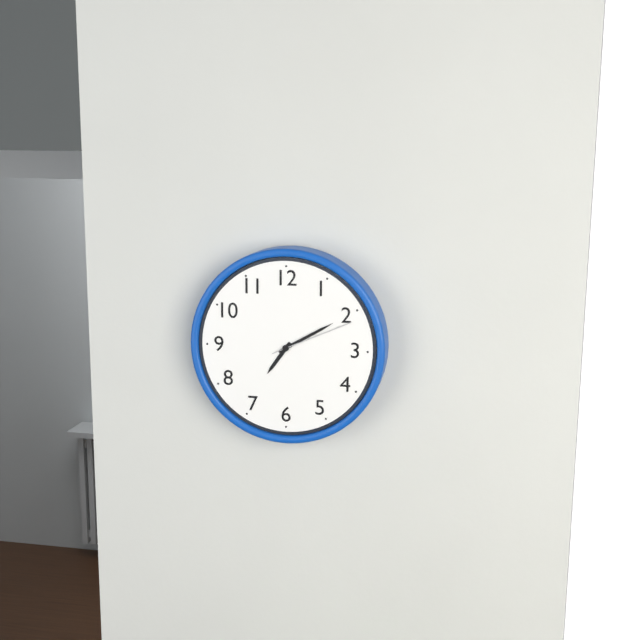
7:10:11
